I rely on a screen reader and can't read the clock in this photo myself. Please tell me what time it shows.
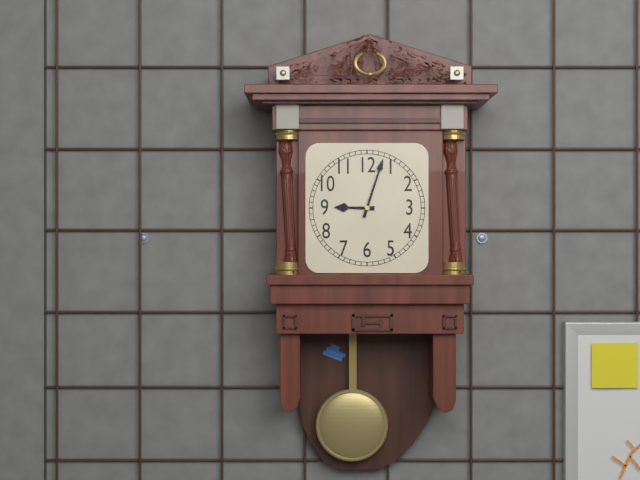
9:03
